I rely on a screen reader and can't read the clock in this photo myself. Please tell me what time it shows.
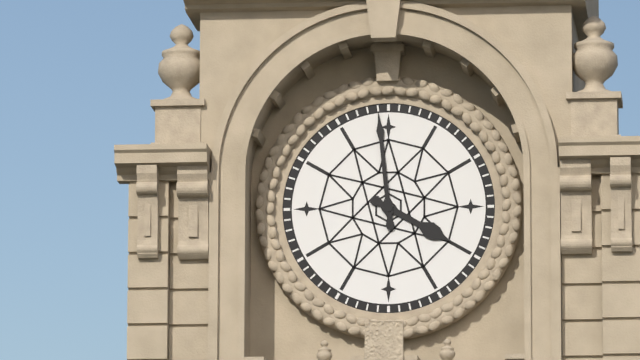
3:59
